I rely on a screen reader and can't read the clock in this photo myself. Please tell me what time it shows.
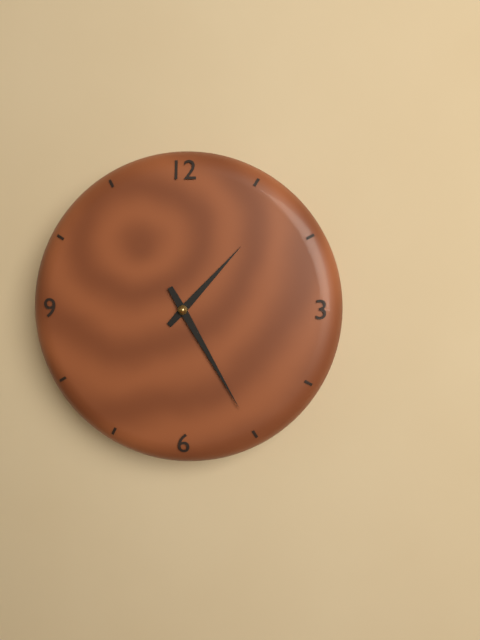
1:25
